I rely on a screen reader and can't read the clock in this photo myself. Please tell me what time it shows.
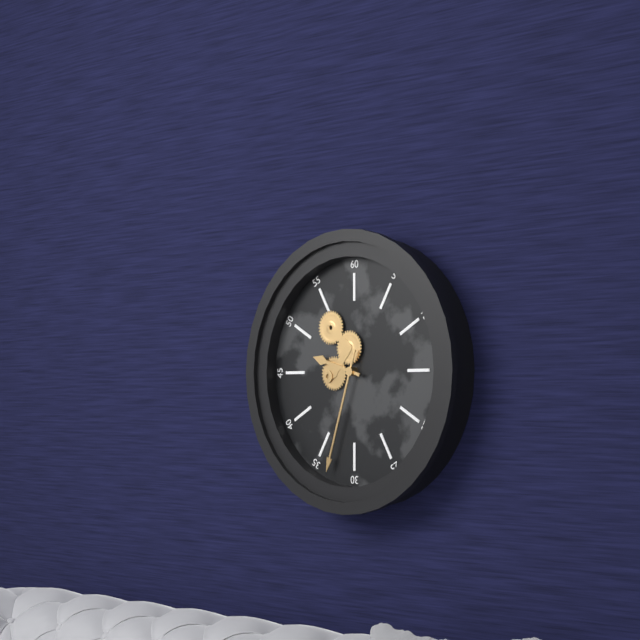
9:33
